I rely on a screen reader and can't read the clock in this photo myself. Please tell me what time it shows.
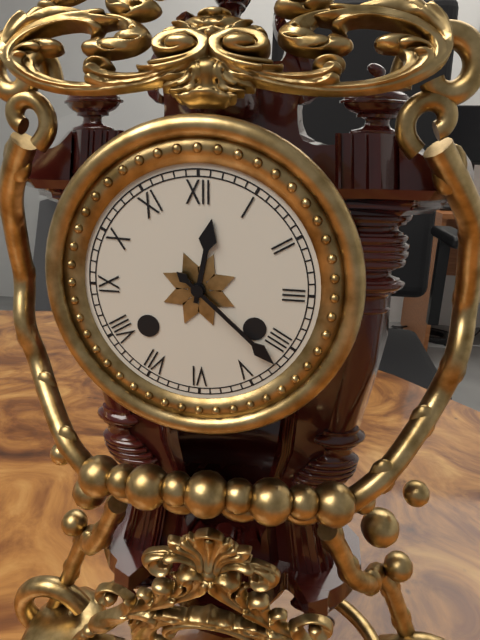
12:22
